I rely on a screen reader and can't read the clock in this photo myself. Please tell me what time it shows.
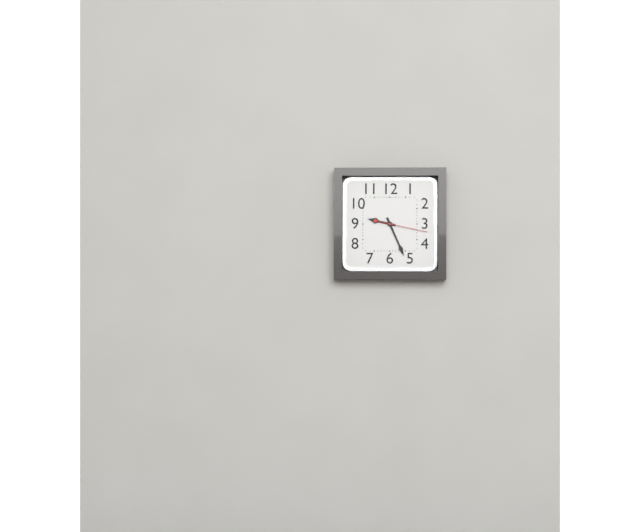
9:26
